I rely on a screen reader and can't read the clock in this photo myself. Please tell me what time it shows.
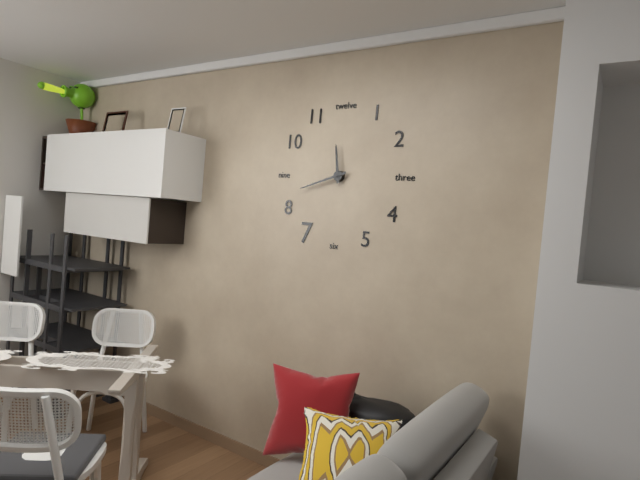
11:42
